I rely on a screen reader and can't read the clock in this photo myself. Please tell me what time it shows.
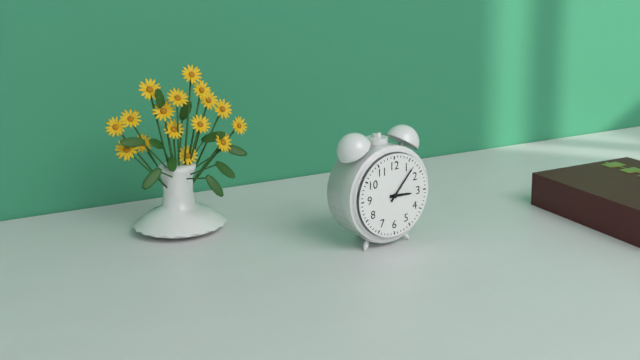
3:07
